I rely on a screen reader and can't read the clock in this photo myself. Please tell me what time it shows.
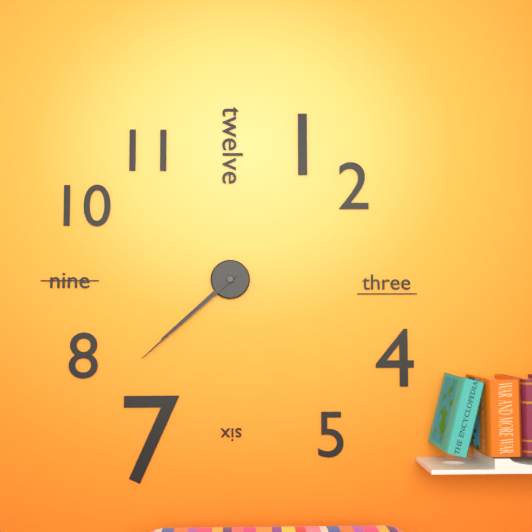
7:38
